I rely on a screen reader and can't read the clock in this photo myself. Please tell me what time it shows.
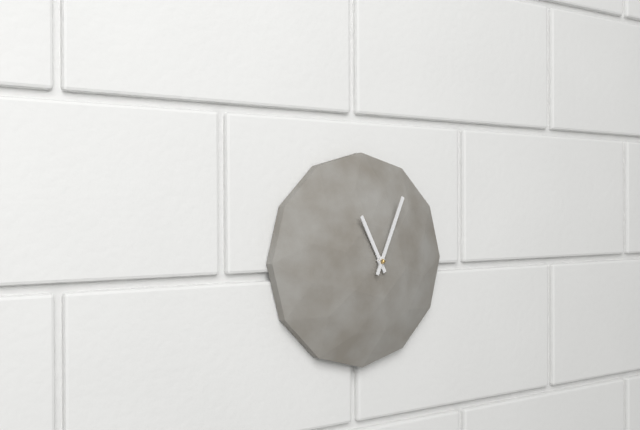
11:04
